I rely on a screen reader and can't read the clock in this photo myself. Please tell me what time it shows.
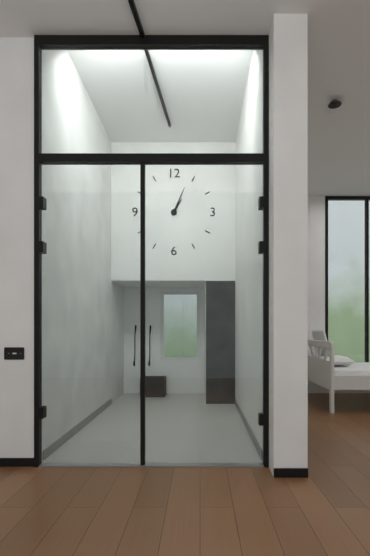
1:04
